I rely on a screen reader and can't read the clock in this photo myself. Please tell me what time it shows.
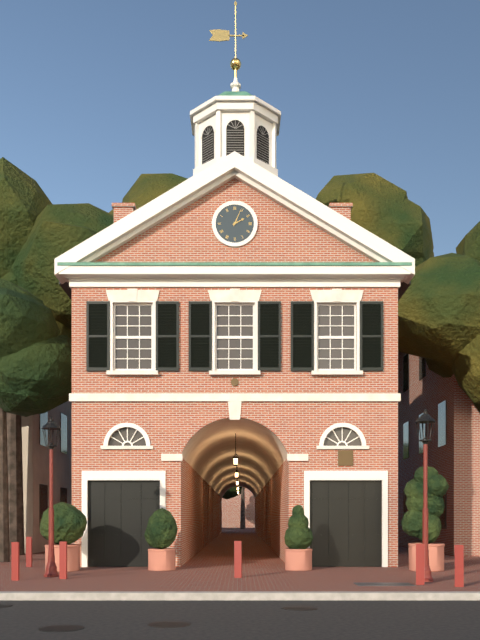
2:04
